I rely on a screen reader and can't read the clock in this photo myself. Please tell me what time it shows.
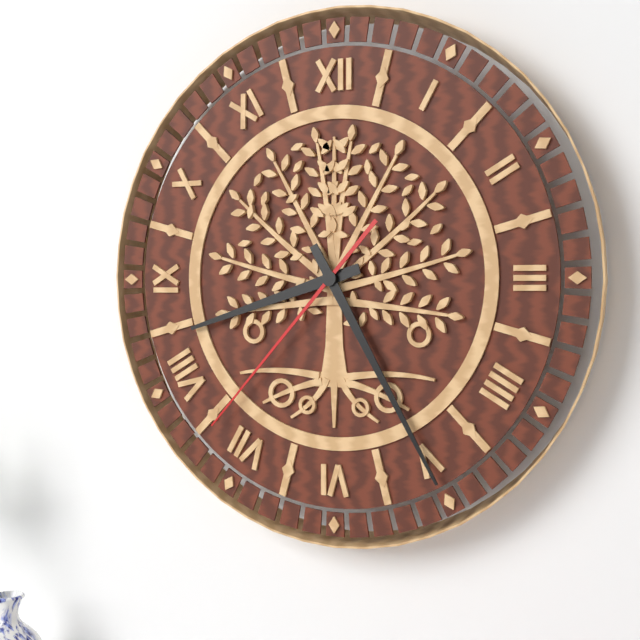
8:25:37
